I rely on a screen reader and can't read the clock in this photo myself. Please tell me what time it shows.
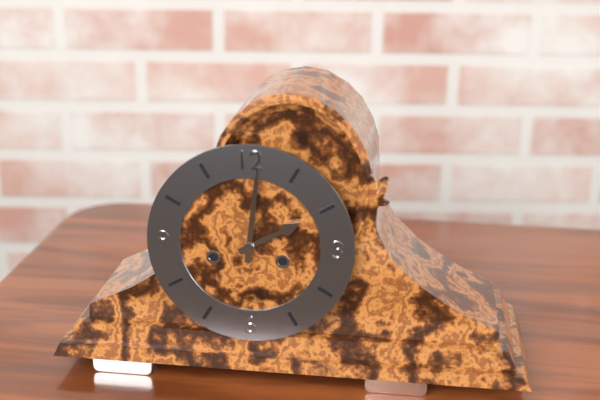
2:01
